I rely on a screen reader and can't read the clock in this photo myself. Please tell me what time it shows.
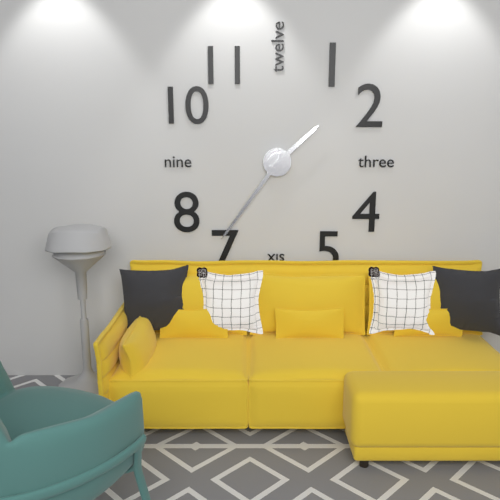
1:36
